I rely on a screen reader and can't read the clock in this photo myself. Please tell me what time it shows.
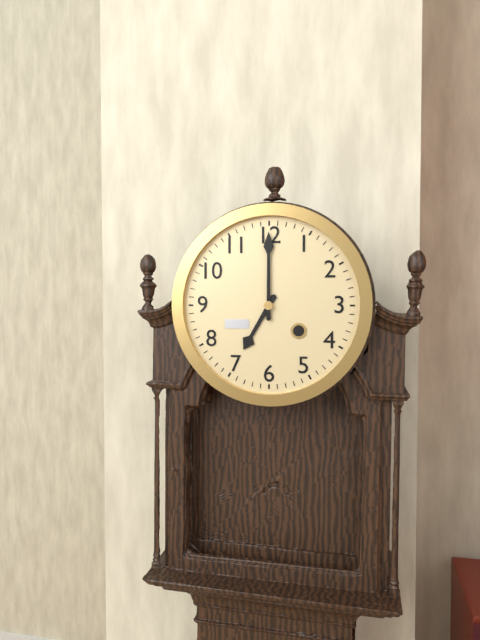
7:00
